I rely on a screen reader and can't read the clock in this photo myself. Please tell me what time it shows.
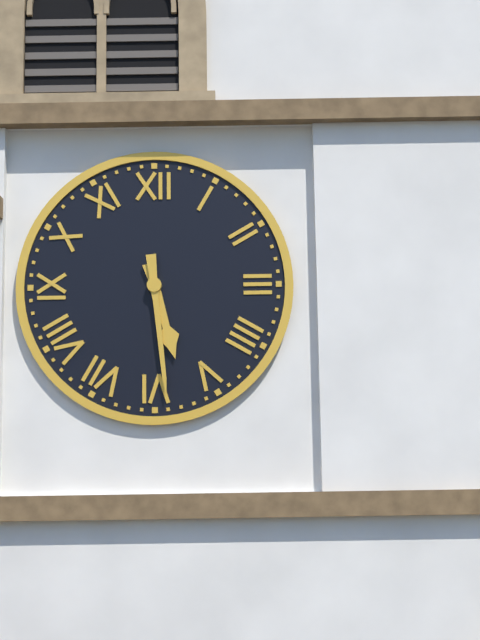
5:29
